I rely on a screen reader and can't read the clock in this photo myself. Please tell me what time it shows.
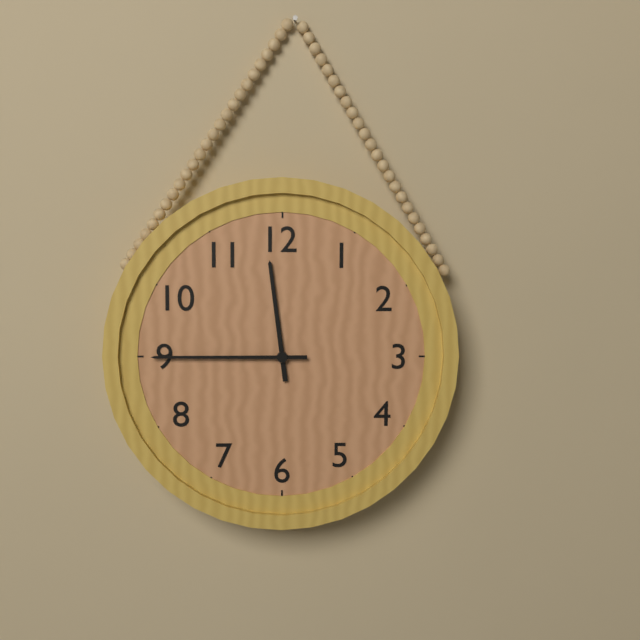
11:45
